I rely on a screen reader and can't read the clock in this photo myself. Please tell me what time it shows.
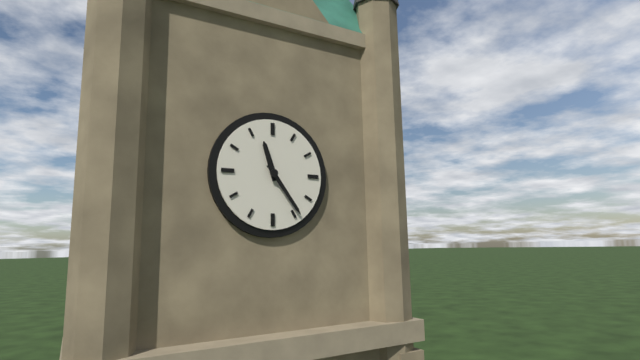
11:24
